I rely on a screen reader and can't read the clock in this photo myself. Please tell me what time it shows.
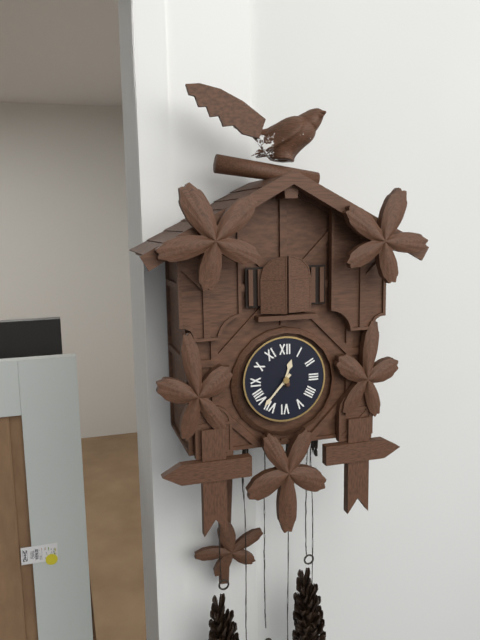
12:37
